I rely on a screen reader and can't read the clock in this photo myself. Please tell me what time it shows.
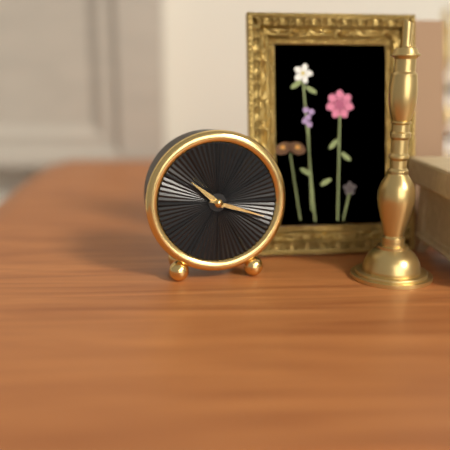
10:18
